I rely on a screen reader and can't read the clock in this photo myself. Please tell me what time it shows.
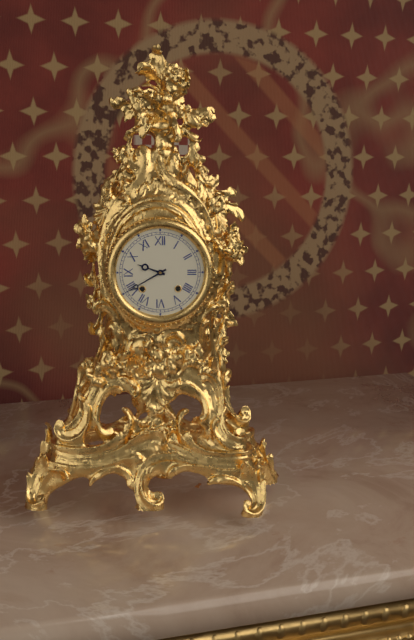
9:40
